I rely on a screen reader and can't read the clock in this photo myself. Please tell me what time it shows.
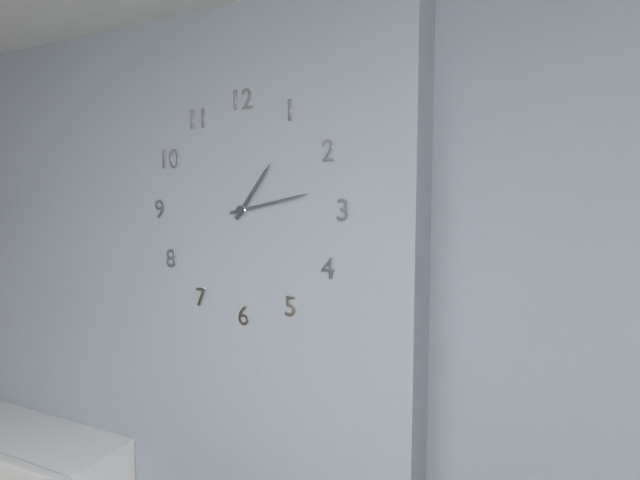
1:13
